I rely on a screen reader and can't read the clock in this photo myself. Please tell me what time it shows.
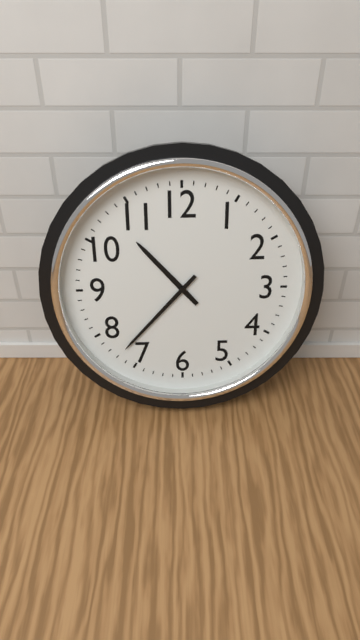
10:37
